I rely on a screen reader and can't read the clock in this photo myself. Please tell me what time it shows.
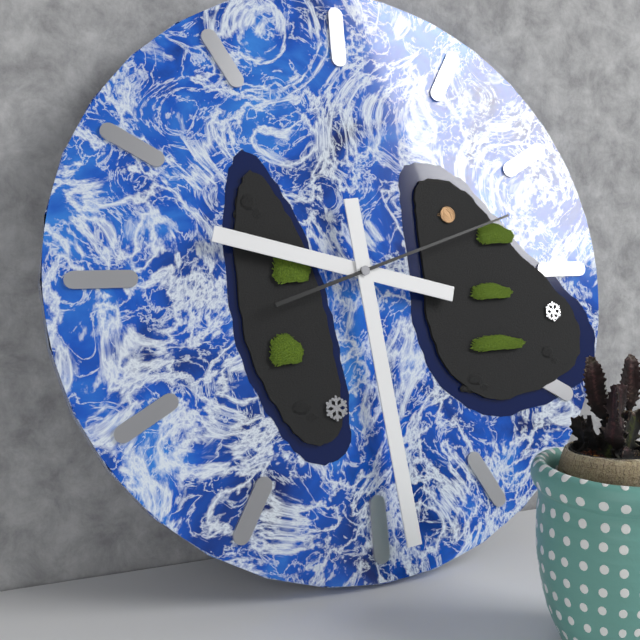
9:29:12
